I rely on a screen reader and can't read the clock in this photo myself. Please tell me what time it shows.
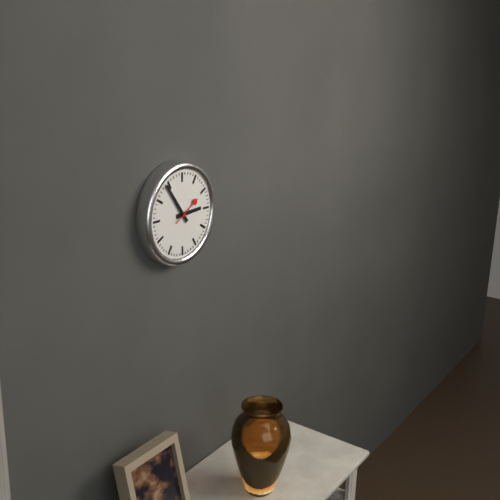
2:54
